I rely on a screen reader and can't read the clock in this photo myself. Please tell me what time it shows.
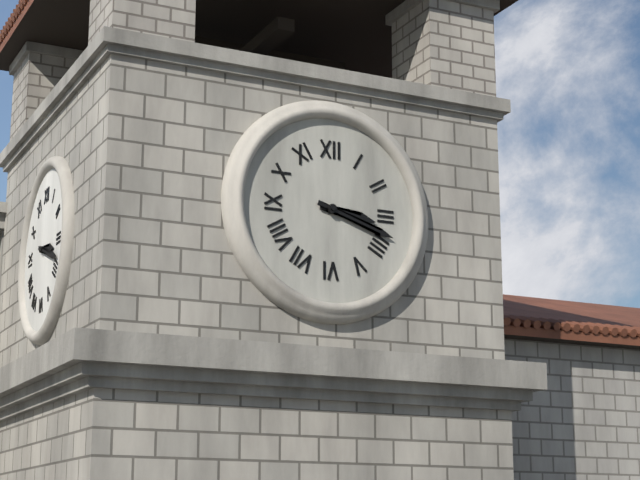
3:18
